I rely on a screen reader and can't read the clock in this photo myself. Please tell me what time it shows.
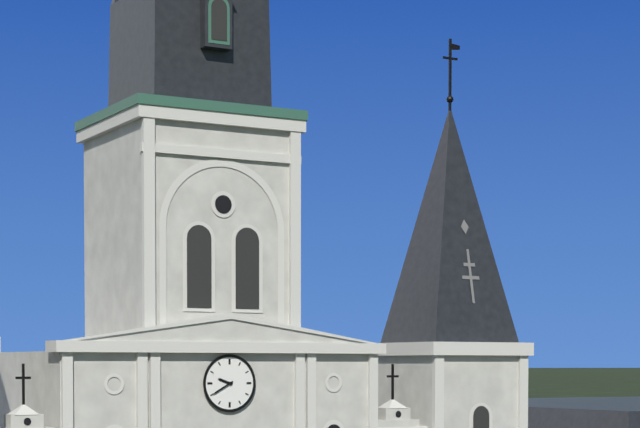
9:40
